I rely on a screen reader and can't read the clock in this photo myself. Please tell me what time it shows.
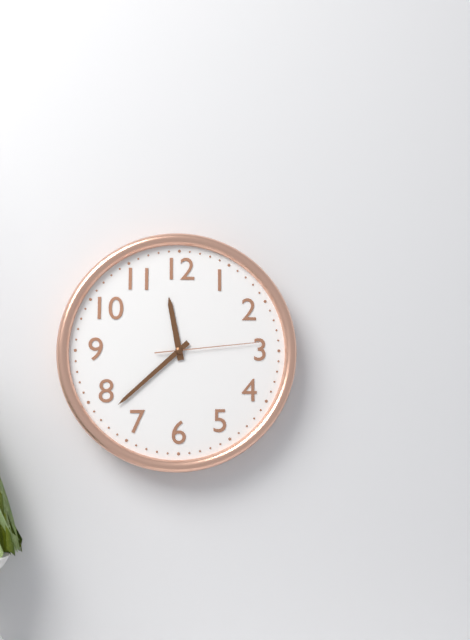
11:38:14
